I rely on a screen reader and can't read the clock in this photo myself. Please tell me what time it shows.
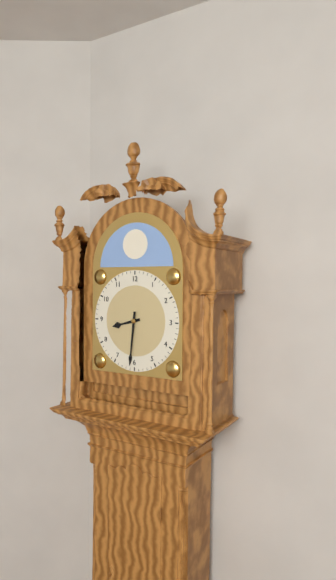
8:31
